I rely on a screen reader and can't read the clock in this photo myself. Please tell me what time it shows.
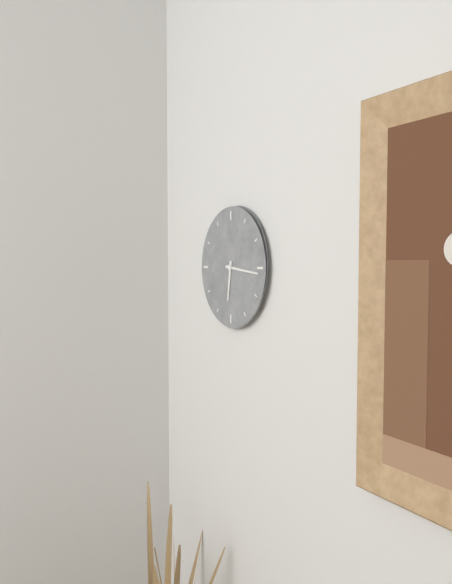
6:16
